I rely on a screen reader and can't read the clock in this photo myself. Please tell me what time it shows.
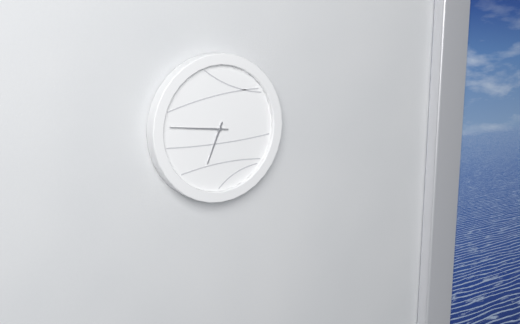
6:46
